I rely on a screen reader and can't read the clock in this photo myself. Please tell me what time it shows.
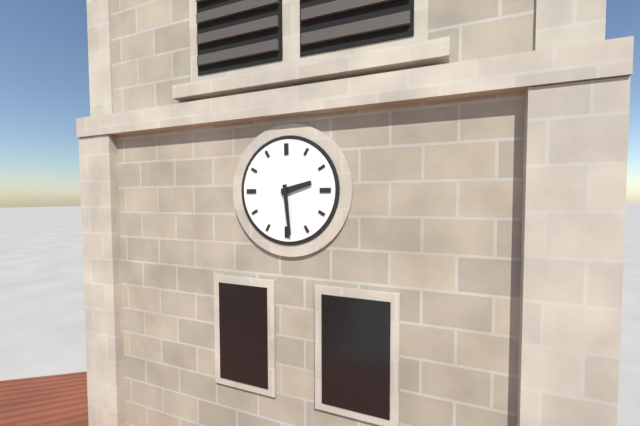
2:29
